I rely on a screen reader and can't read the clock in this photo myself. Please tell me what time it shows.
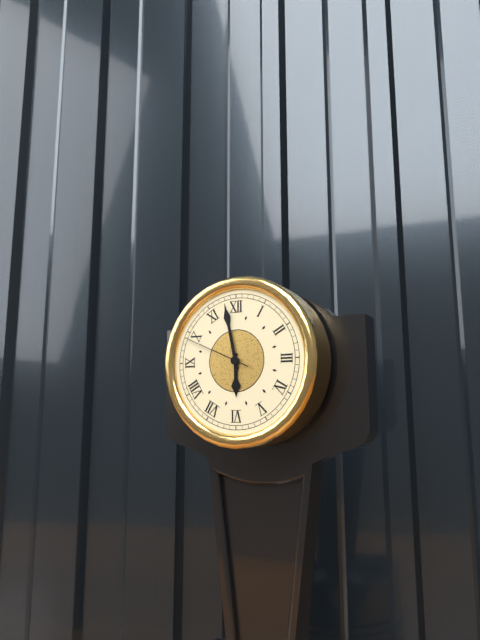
5:58:49
